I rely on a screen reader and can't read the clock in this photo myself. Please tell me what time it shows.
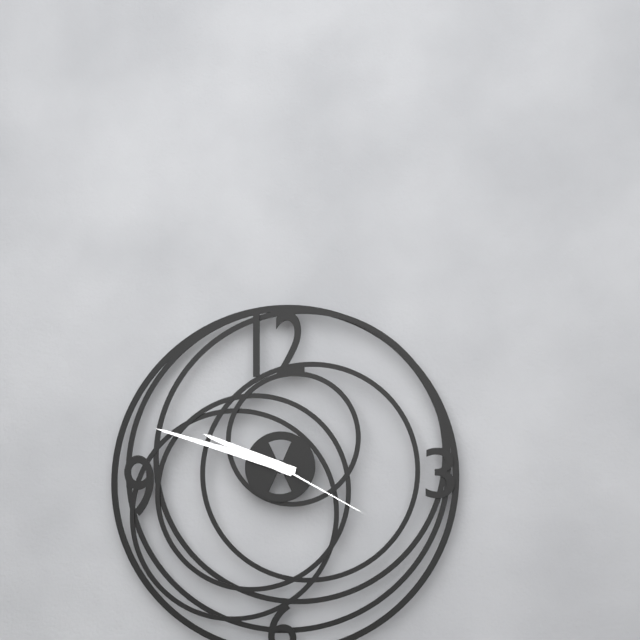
9:48:20
